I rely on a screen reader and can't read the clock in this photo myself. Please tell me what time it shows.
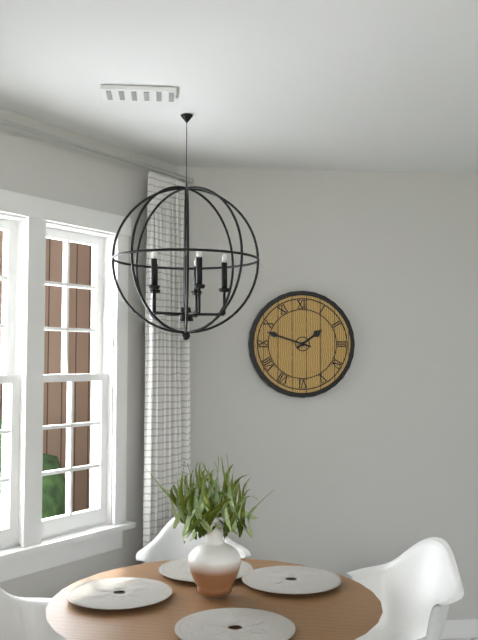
1:48
